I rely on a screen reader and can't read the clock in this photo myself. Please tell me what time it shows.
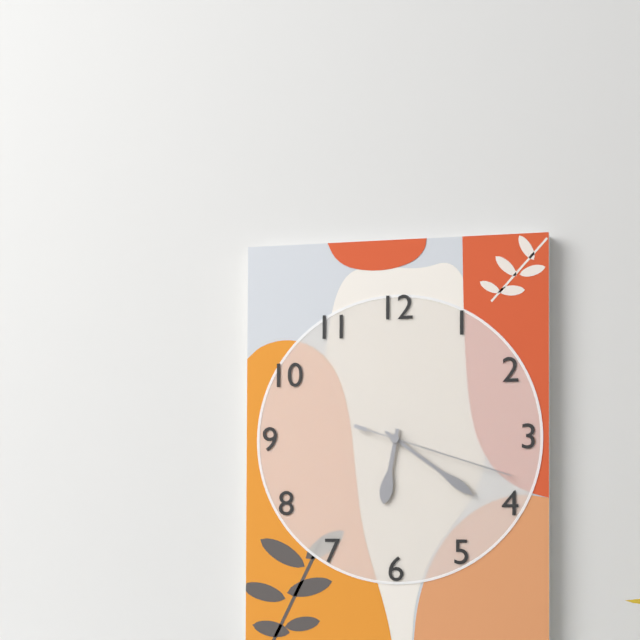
6:21:18
